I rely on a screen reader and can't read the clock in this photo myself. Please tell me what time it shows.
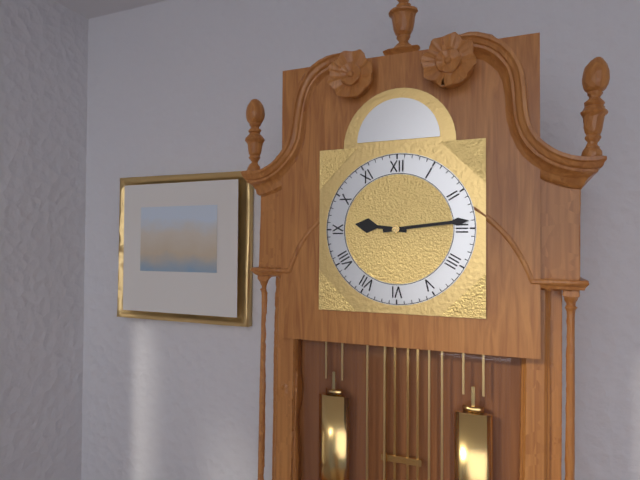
9:14
